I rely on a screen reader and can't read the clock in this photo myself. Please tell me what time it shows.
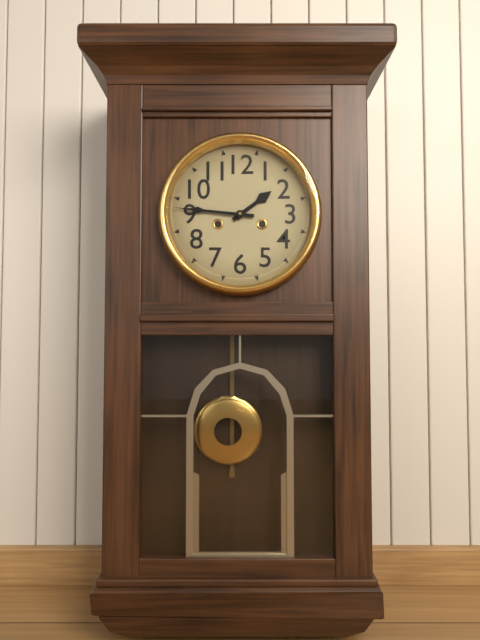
1:46
